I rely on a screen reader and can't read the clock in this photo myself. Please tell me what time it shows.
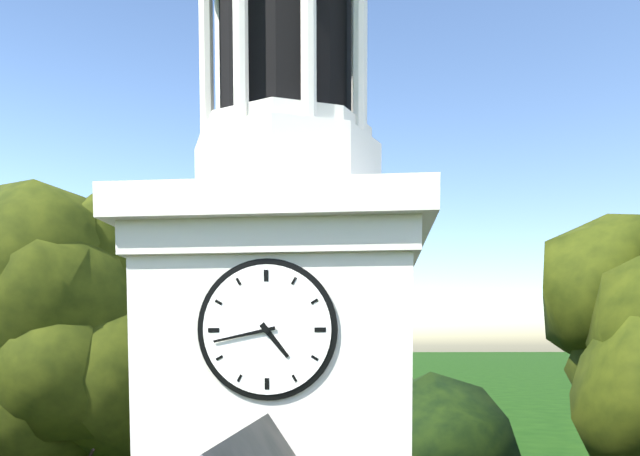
4:43
